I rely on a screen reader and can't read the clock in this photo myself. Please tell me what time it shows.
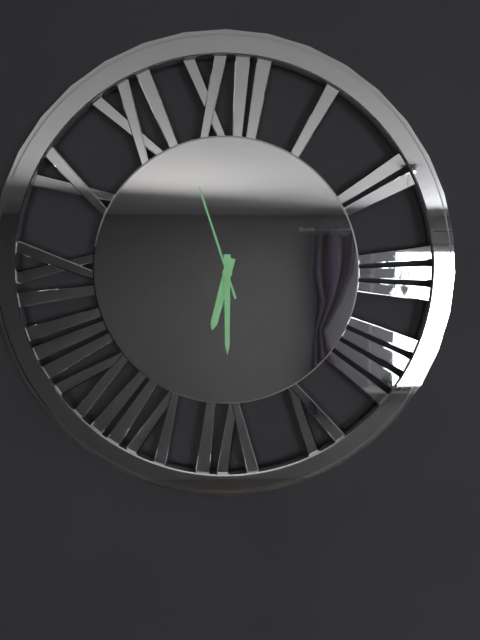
6:30:57
